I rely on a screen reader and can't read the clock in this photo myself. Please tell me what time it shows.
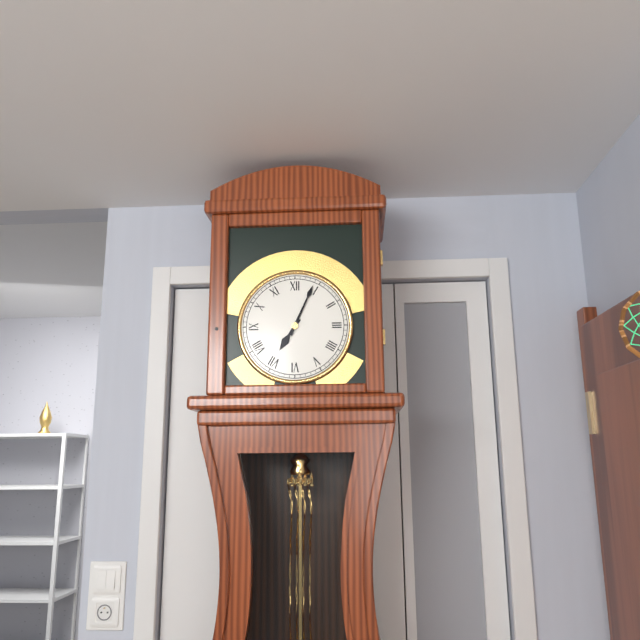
7:04
